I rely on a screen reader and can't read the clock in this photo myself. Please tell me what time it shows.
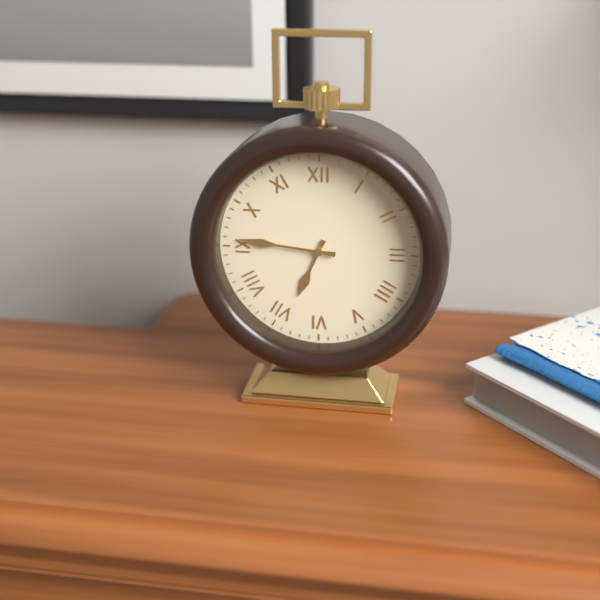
6:46
